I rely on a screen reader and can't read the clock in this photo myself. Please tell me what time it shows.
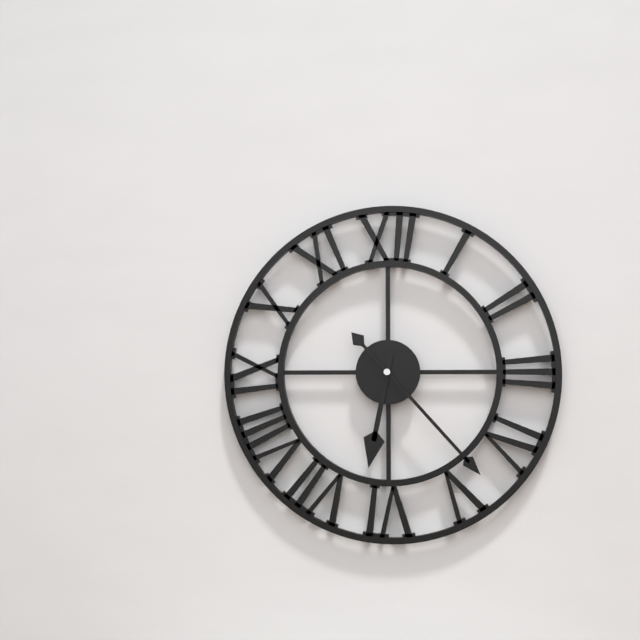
6:23
